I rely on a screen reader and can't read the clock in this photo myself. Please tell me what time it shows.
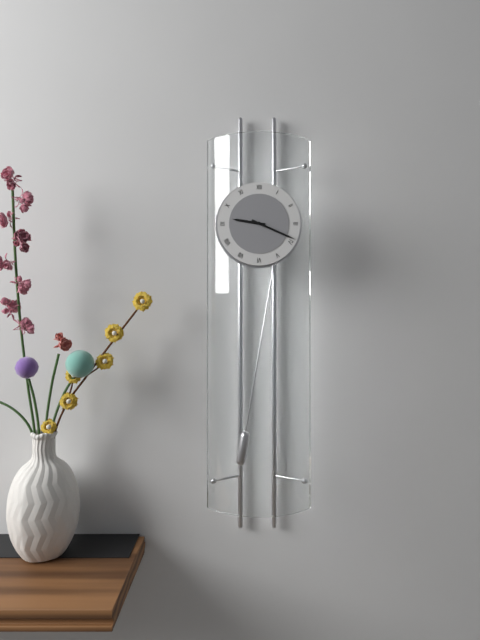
9:19
